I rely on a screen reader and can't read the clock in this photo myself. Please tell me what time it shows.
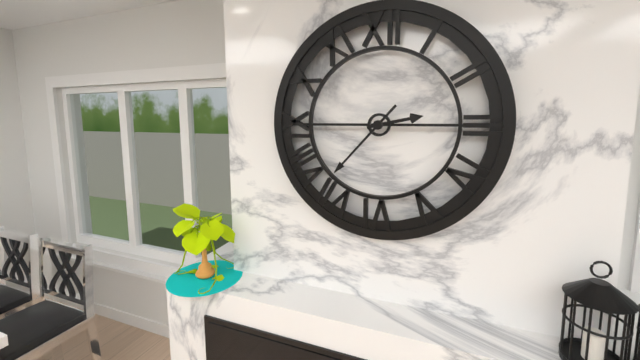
2:37
